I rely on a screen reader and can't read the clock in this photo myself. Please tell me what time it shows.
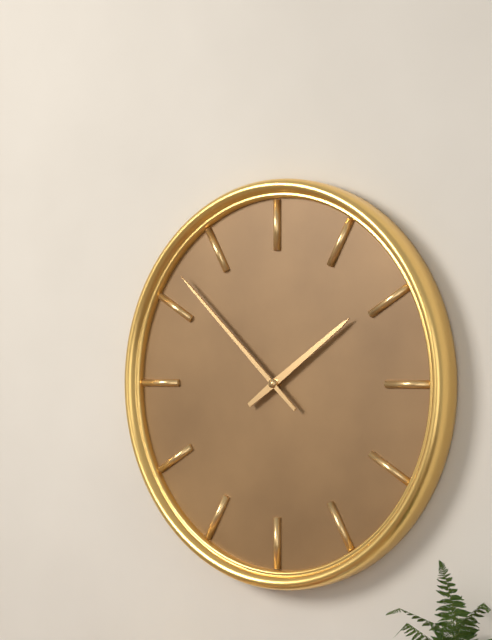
1:52
